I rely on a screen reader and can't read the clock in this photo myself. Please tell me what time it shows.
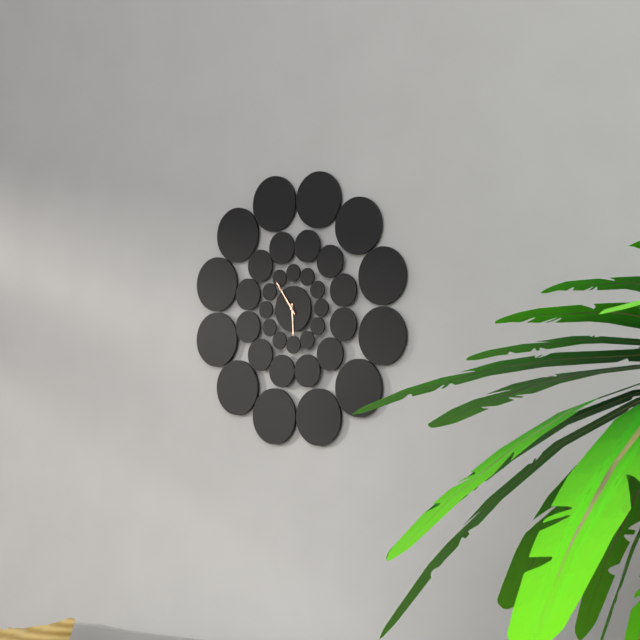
5:54
